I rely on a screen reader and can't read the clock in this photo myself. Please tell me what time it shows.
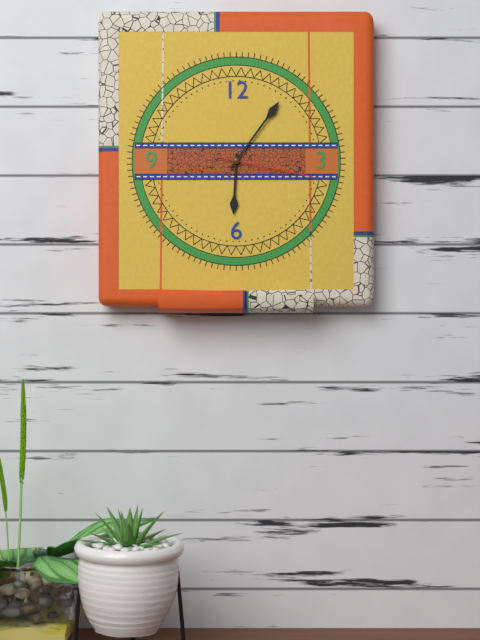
6:06:17
